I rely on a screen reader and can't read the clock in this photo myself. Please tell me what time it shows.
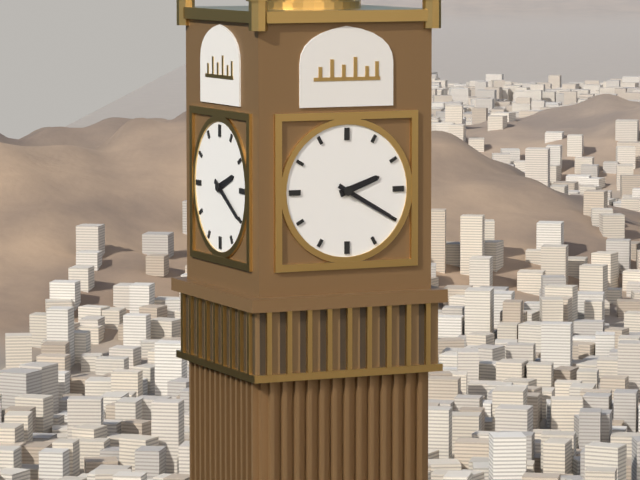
2:20
